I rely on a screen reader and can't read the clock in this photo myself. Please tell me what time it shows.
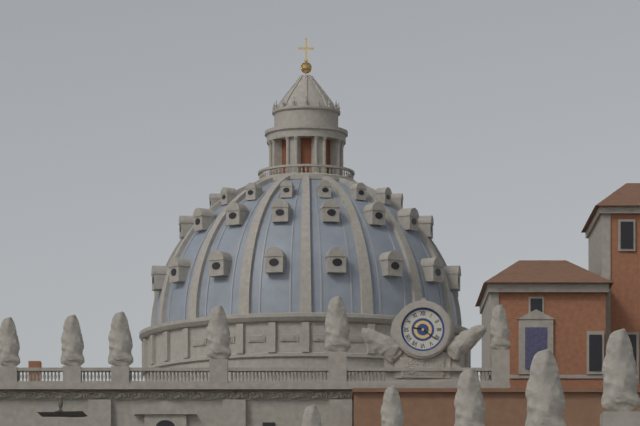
9:21
